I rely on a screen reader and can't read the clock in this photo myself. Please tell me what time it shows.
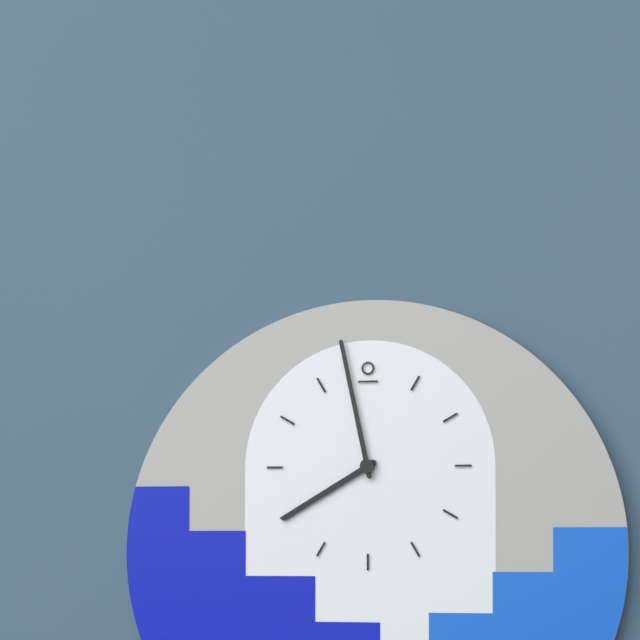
7:58
